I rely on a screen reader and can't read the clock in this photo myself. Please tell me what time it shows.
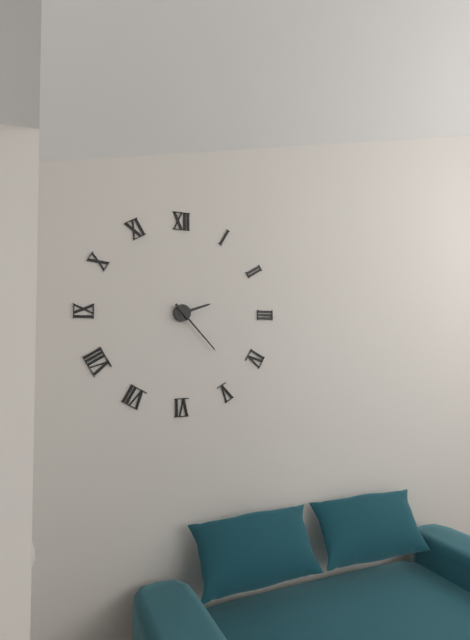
2:23
